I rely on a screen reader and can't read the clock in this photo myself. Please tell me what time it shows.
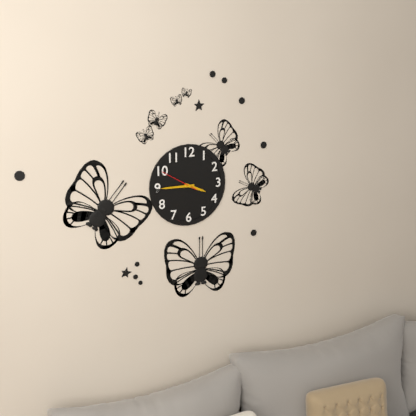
3:45
